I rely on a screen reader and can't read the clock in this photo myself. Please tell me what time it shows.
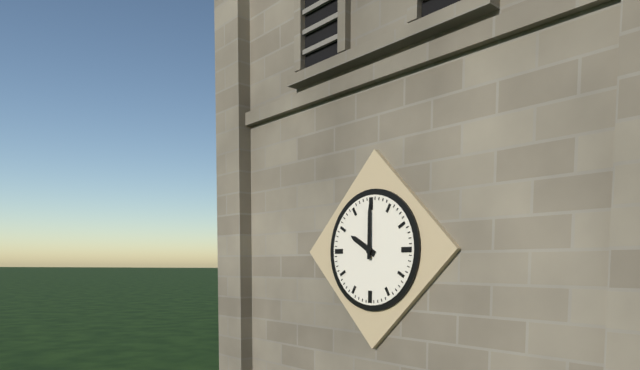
10:00
